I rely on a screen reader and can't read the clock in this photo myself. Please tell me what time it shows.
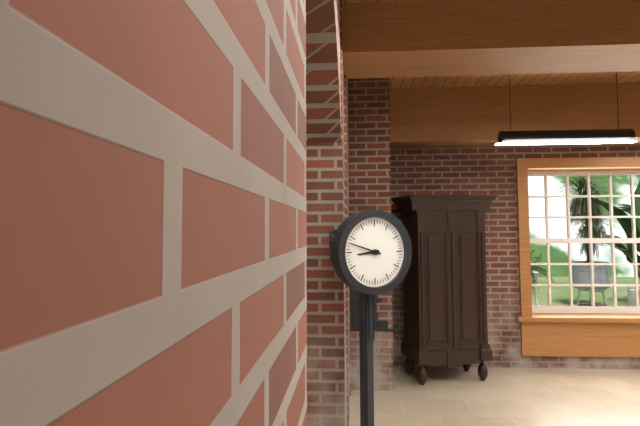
8:48
